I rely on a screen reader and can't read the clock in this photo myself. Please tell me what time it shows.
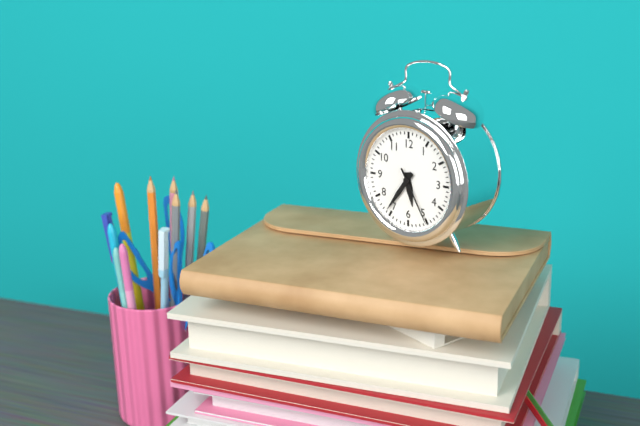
5:36:25
